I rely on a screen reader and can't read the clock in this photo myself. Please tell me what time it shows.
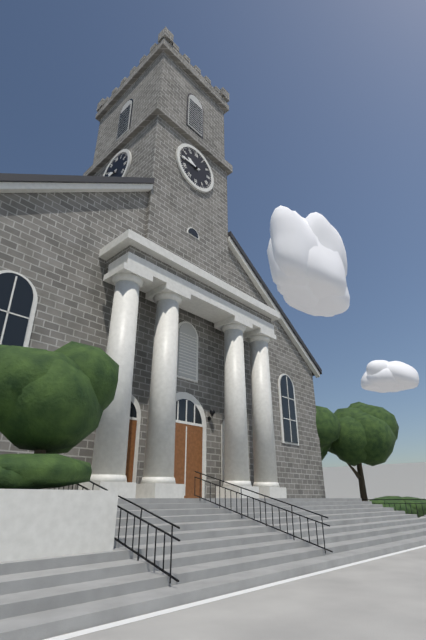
9:45
